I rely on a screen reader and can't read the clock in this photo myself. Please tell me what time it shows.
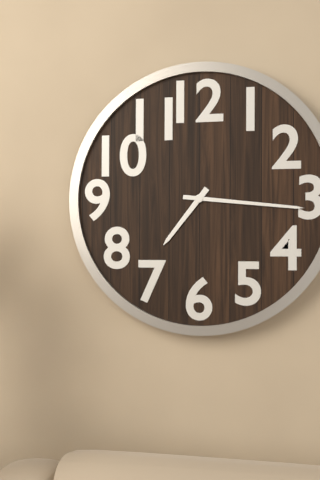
7:16
